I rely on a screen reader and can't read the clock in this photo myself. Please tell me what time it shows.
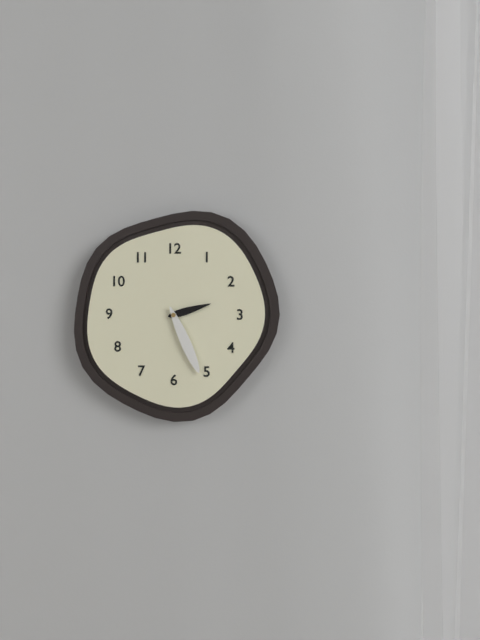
2:26
